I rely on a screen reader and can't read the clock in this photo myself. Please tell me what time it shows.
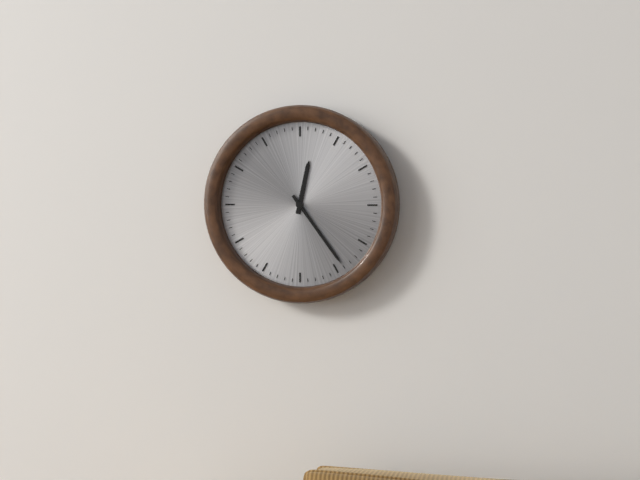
12:24
